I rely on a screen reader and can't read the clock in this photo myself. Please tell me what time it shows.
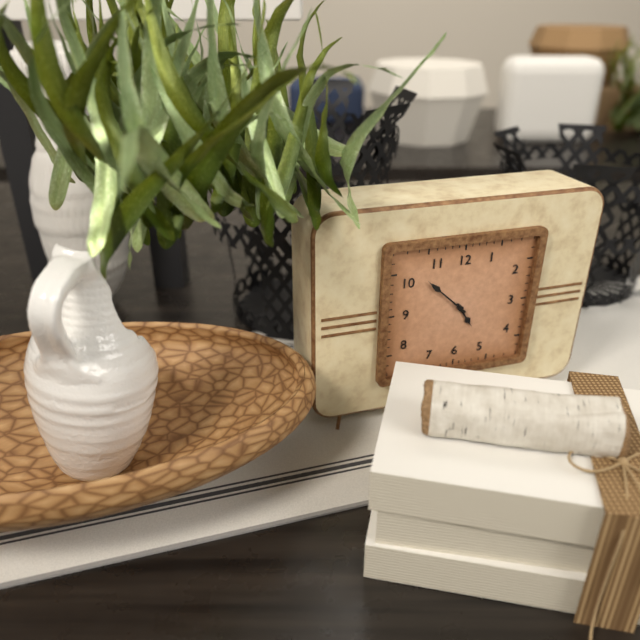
4:52
